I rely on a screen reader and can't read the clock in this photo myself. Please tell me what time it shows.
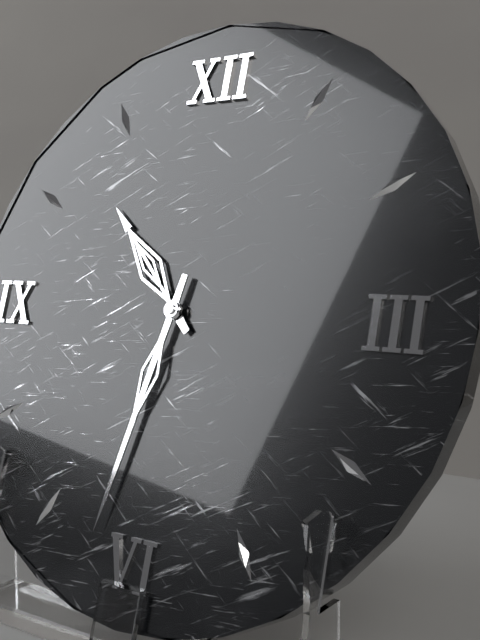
10:32
